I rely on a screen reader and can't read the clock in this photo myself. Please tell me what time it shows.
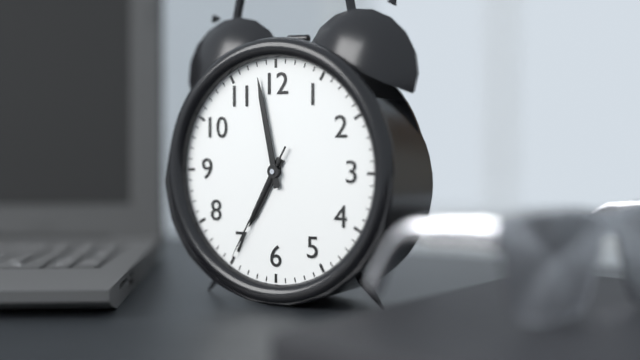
6:58:35
